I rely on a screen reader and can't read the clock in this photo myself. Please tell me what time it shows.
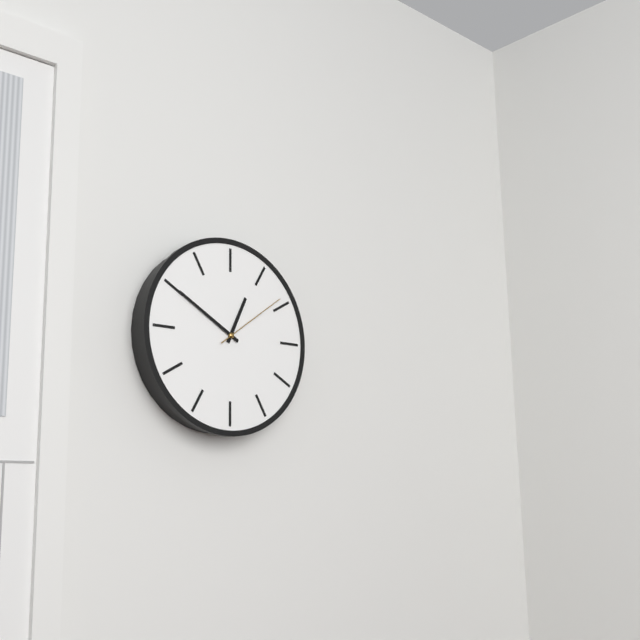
12:50:09
